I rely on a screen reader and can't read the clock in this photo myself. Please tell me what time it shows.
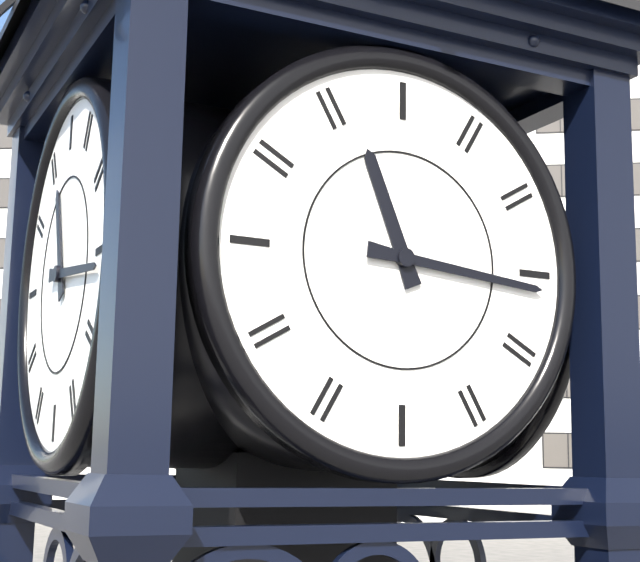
11:16
